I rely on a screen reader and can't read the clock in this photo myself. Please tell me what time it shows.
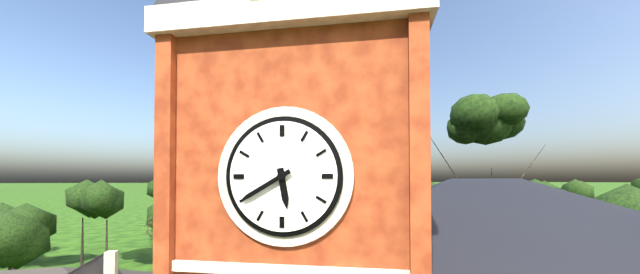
5:40
